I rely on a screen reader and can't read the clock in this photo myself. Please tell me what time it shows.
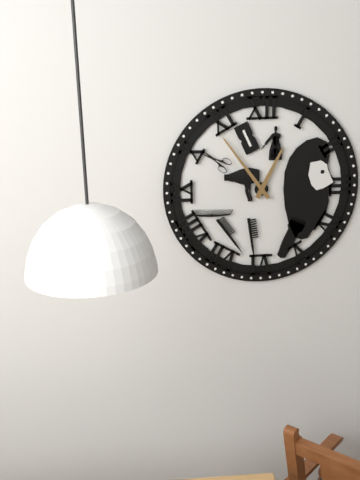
12:54
